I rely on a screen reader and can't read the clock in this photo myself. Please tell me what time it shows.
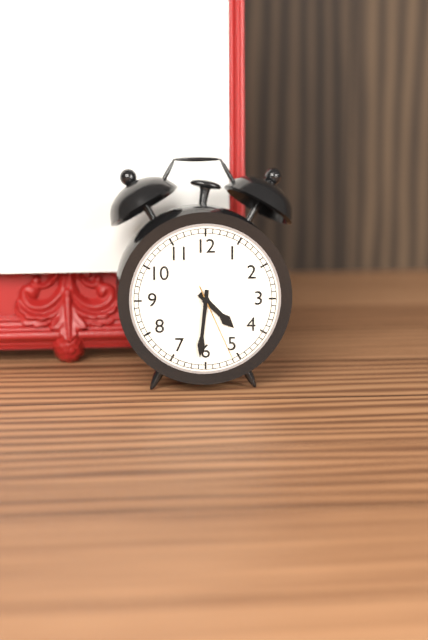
4:31:26
